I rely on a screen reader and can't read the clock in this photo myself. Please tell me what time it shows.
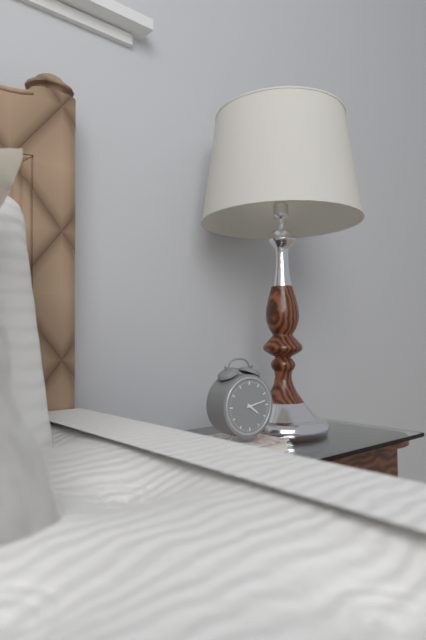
4:13
